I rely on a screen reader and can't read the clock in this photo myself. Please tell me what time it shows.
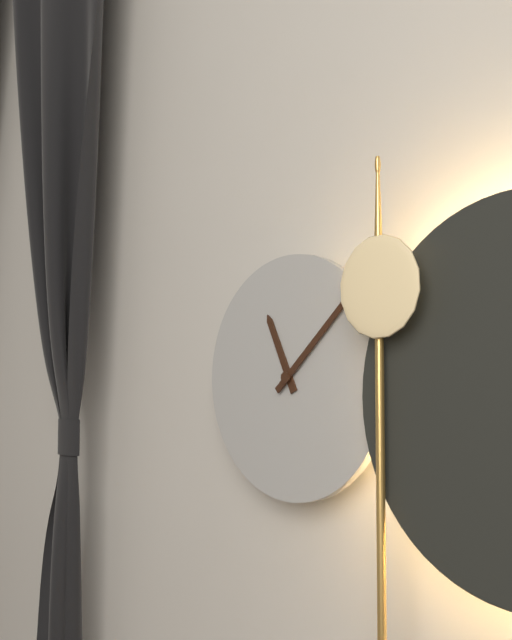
11:08
